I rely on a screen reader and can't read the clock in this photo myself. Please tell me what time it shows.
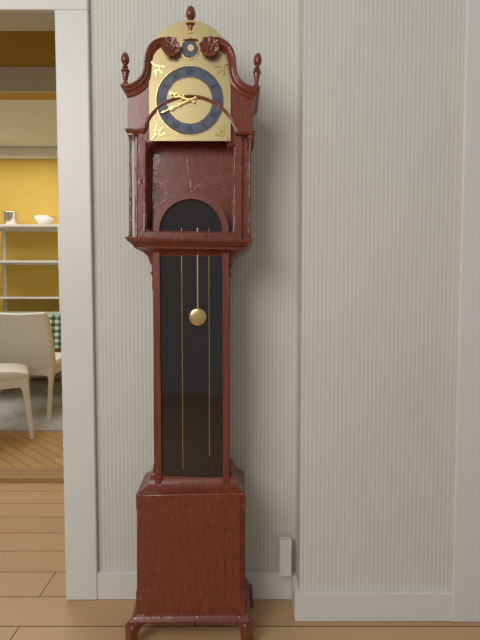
9:41
